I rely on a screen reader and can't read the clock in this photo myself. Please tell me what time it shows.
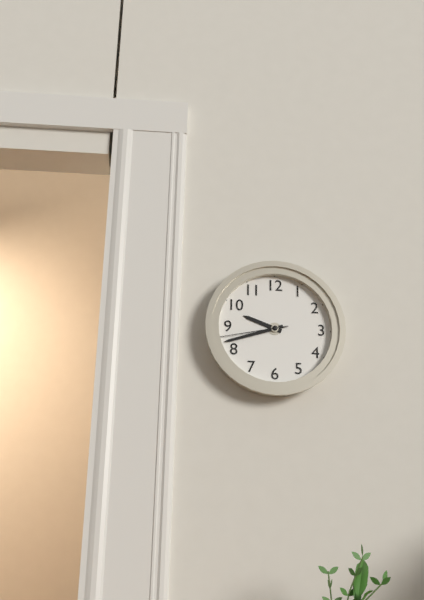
9:42:43
